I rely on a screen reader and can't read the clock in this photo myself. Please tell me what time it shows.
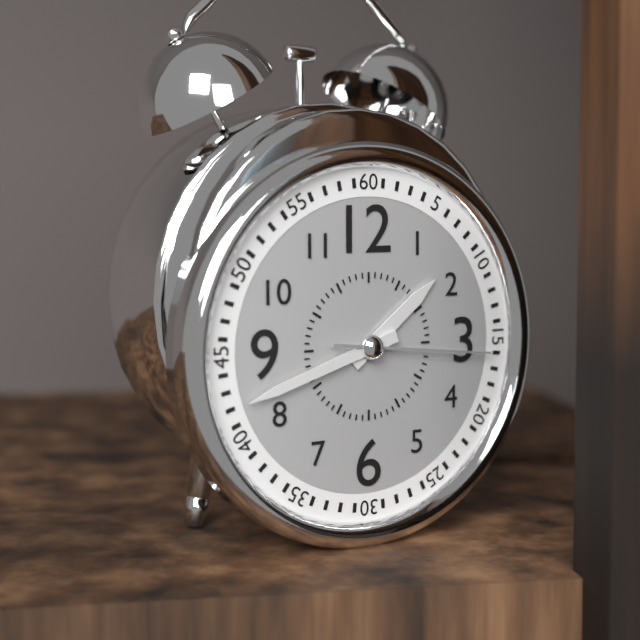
1:42:16
